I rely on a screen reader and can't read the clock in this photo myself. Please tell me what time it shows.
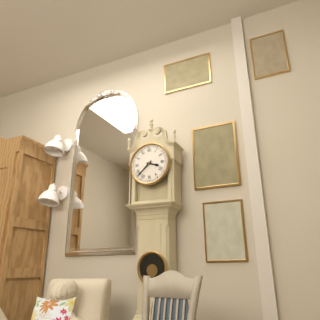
3:38
